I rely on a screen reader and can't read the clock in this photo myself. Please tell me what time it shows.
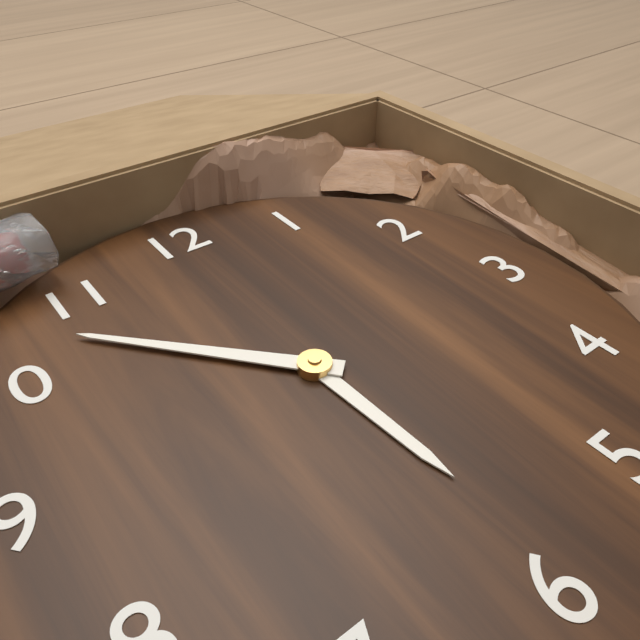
5:53
